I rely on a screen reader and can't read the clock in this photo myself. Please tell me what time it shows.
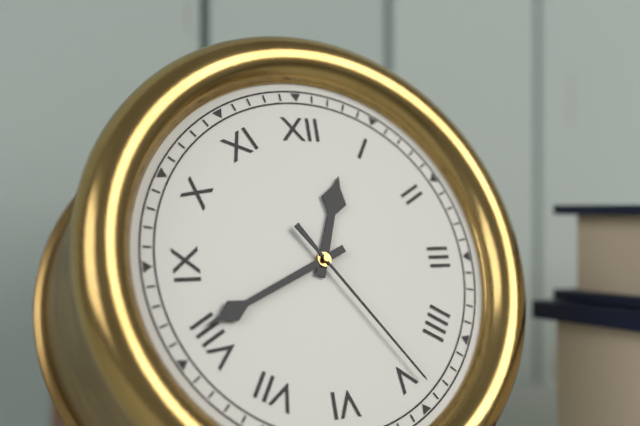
12:41:24
